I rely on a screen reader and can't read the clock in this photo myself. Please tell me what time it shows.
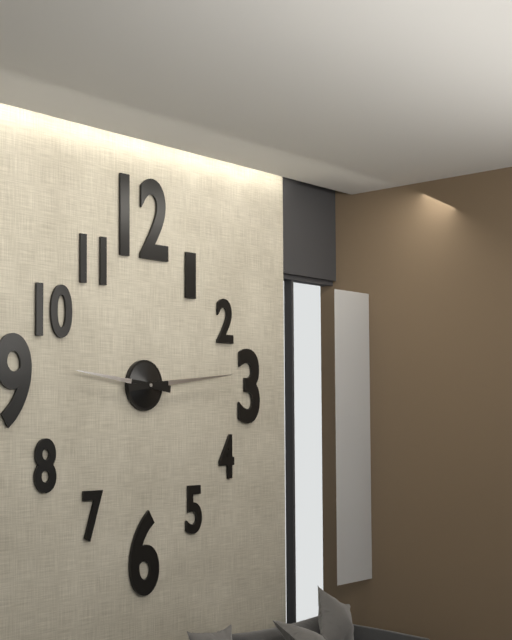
9:14
